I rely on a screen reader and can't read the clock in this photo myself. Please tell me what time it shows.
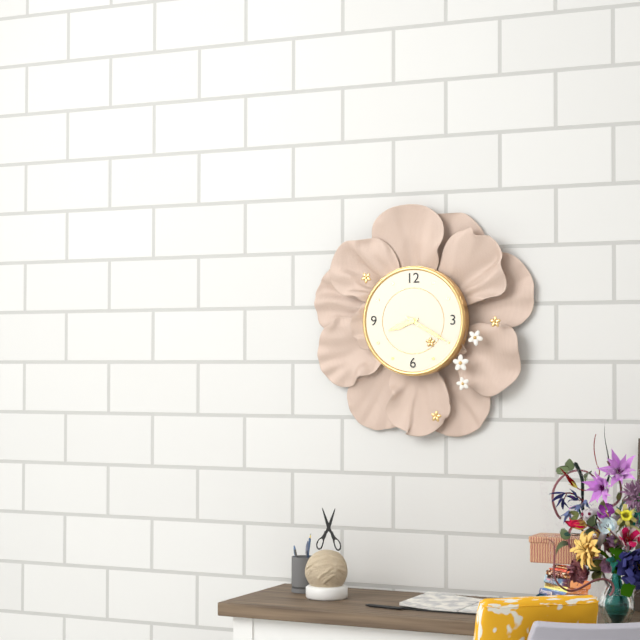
8:20
